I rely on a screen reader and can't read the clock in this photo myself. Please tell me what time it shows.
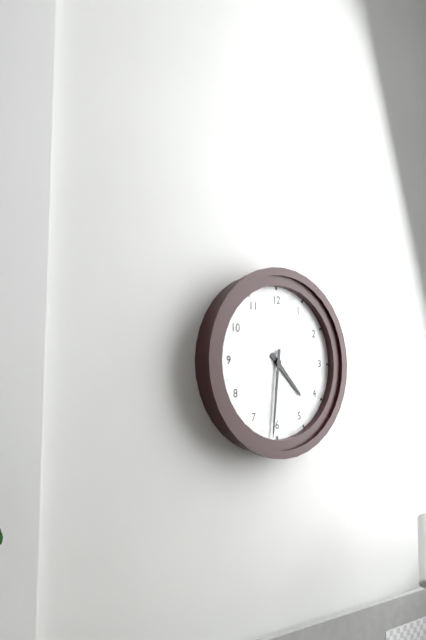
4:31
